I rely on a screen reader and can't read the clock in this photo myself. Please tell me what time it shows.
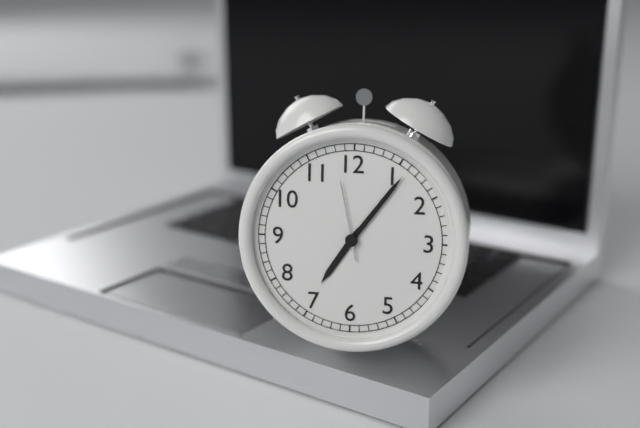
7:06:58
